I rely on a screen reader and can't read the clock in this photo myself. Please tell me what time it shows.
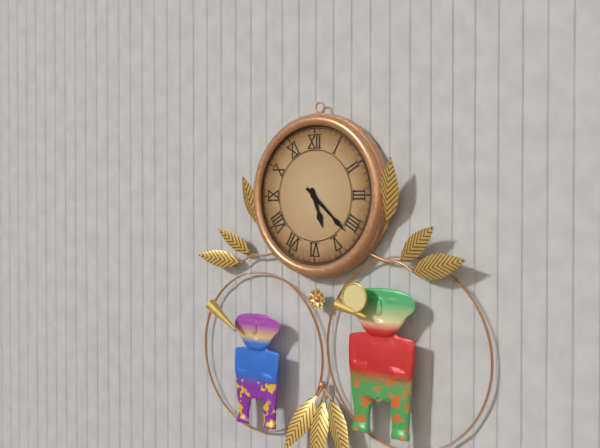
5:22
